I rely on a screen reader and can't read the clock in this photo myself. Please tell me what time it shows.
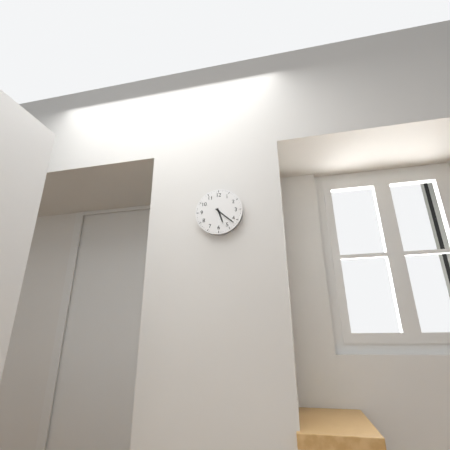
5:22
